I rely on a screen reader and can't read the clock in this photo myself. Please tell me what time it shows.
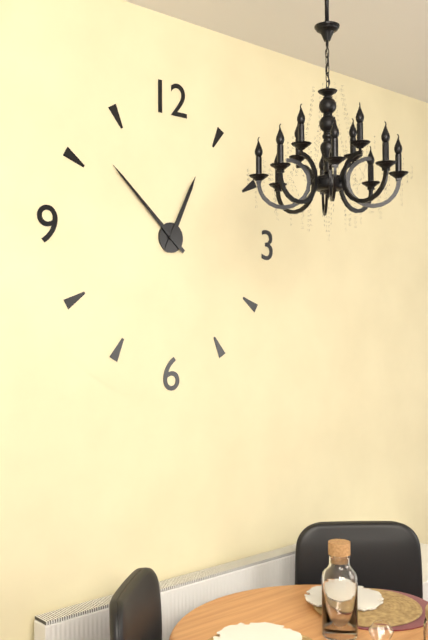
12:52
